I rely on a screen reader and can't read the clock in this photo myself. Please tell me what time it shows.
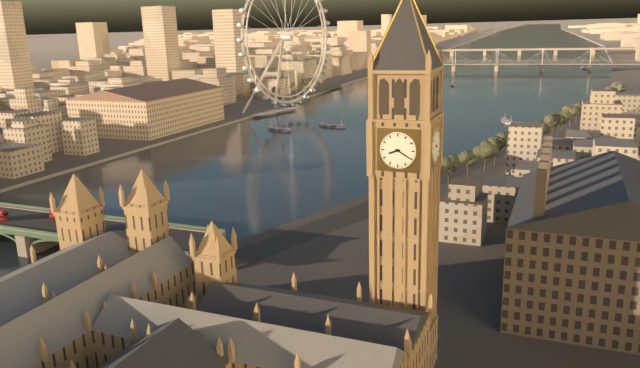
8:20
